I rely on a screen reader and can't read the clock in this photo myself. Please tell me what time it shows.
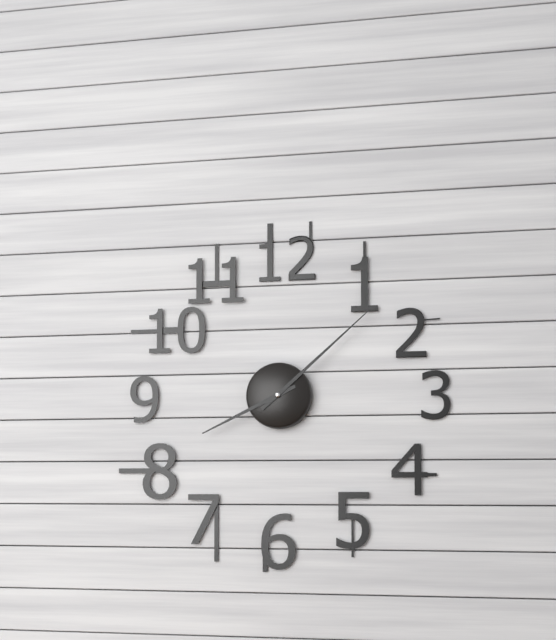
8:08
